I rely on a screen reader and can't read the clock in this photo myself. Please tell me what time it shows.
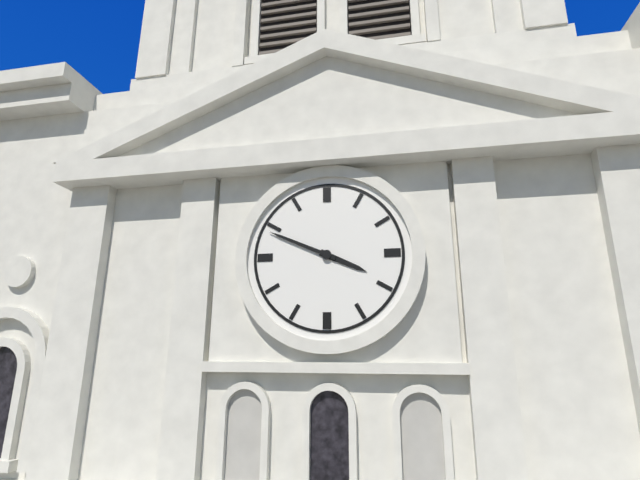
3:49
